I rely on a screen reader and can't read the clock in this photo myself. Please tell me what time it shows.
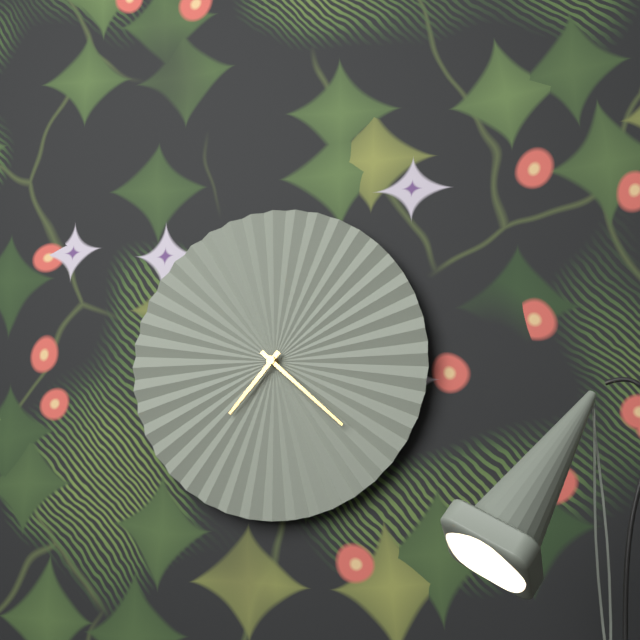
7:22
